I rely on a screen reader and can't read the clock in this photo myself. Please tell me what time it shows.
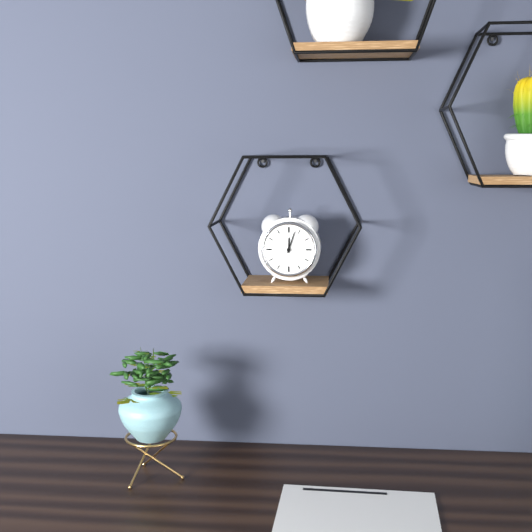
12:03
